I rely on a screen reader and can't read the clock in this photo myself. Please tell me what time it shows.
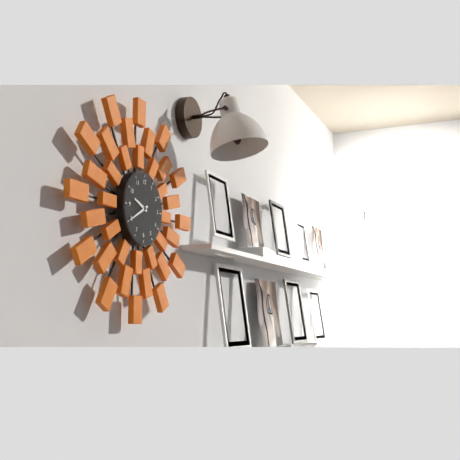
9:40
